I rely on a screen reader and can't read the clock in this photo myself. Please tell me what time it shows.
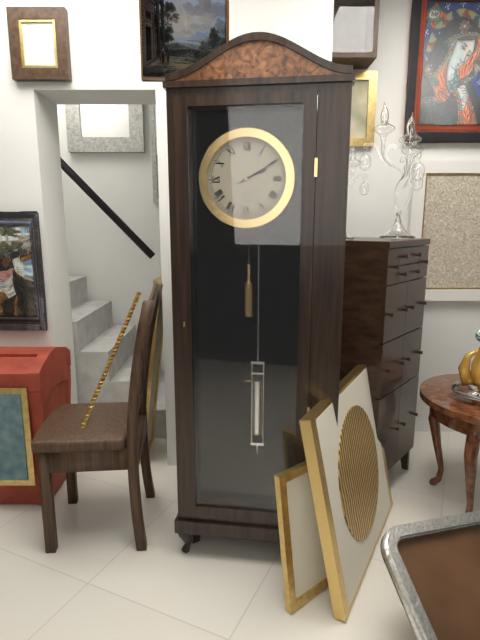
2:10
